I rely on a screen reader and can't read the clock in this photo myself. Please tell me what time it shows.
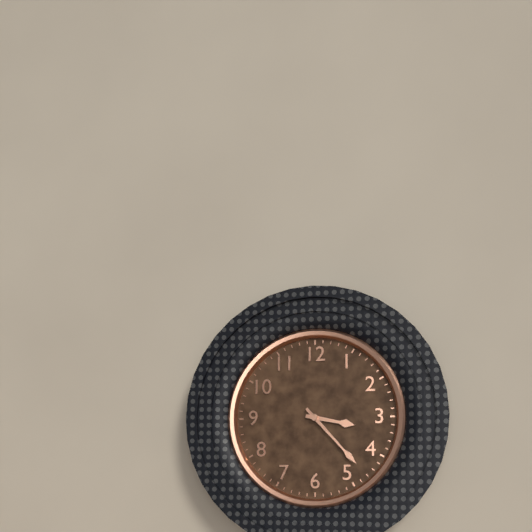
3:23
